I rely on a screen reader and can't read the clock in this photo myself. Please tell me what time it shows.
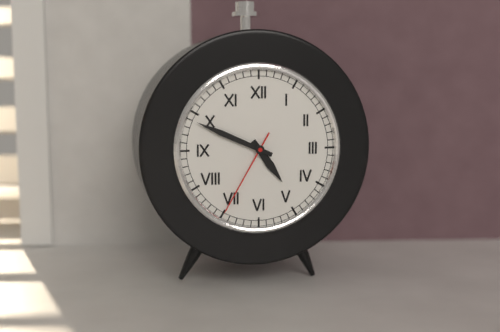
4:49:35
